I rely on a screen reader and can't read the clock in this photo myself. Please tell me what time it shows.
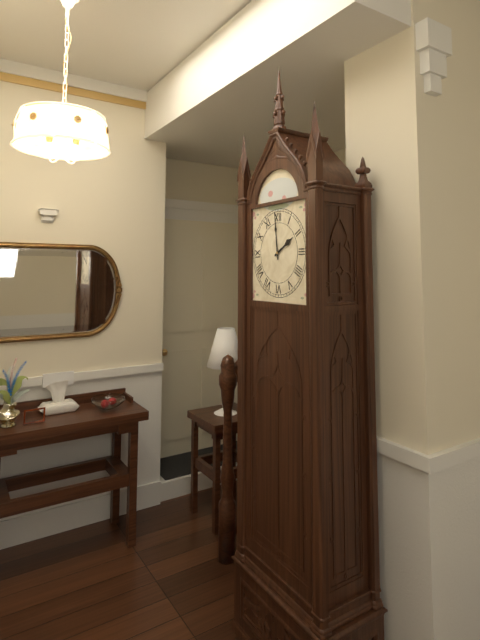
1:59
